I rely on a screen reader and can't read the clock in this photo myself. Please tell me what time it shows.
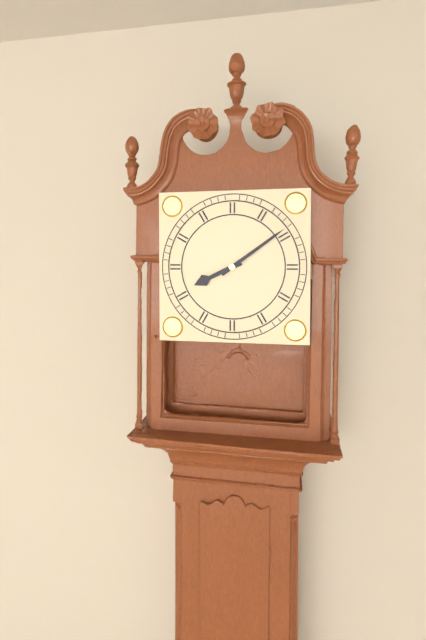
8:09
